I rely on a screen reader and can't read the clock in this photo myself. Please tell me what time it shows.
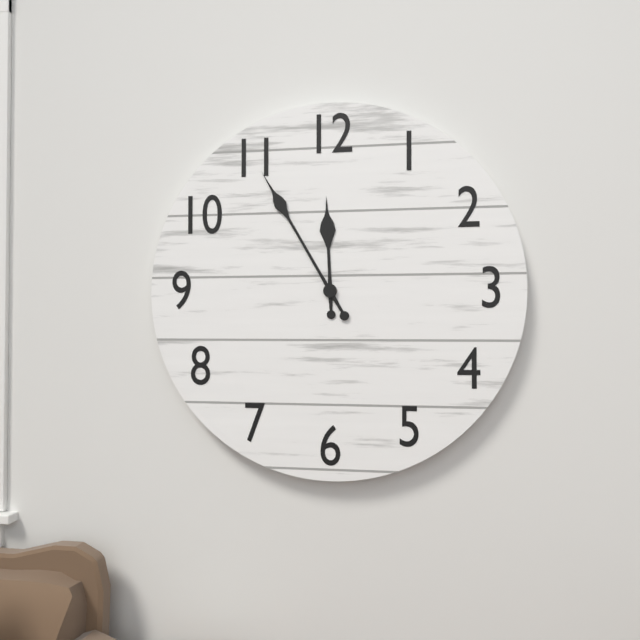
11:55
